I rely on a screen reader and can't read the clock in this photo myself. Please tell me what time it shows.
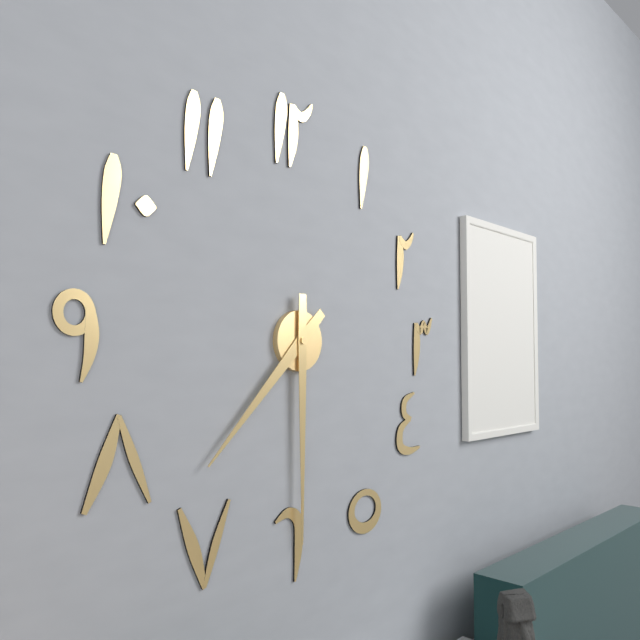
7:30
